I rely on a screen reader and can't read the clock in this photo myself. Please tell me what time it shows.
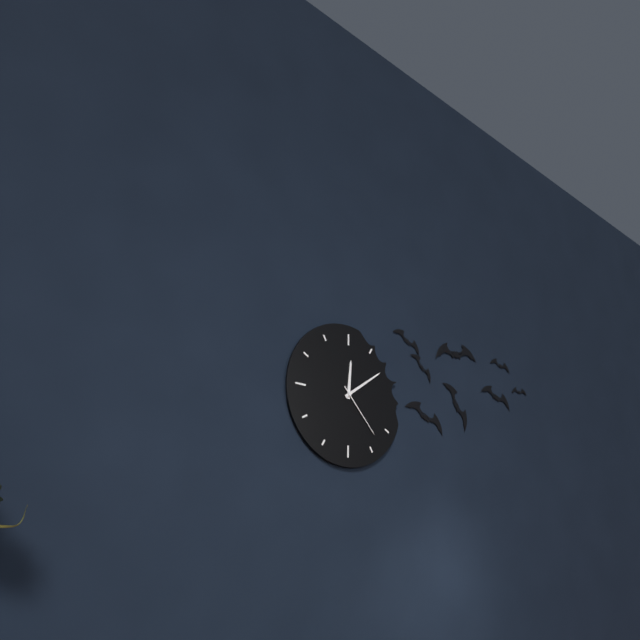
12:09:23
